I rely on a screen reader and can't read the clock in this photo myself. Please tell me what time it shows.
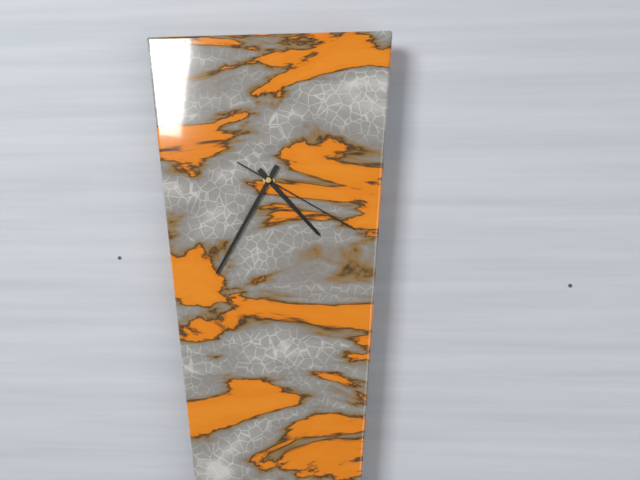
4:35:20
